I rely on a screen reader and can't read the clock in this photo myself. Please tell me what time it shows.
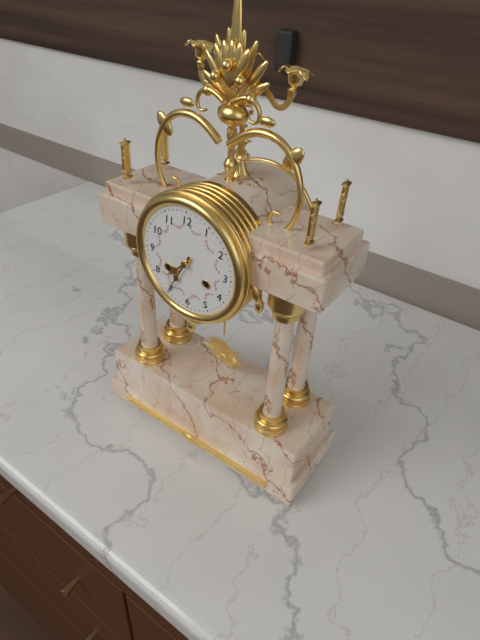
7:35
